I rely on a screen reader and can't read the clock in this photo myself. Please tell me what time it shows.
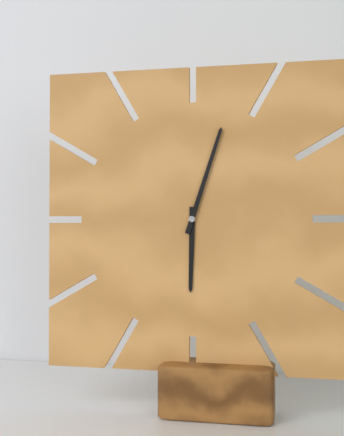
6:03
